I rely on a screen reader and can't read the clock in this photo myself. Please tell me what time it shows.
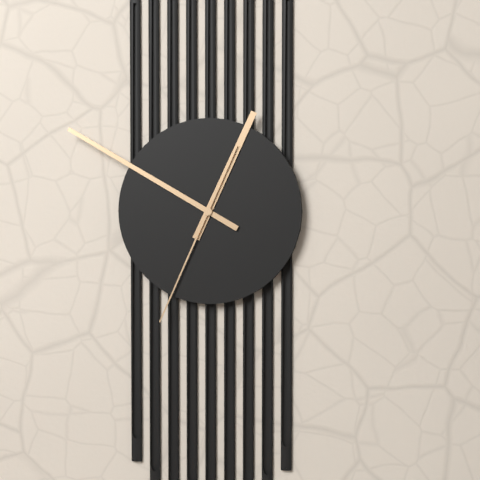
12:50:34
